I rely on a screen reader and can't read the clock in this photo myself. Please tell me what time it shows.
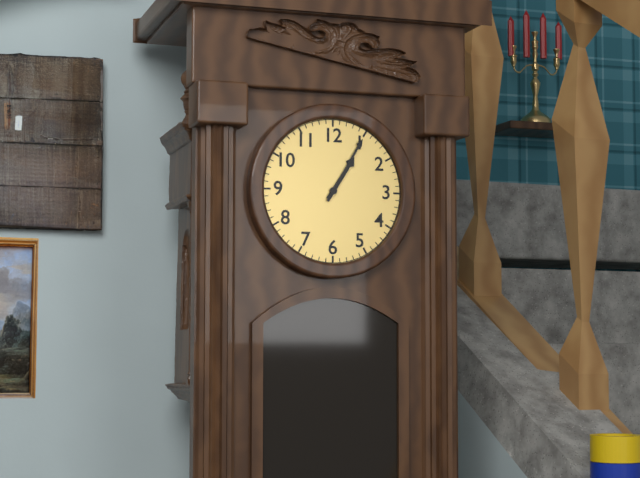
1:05
